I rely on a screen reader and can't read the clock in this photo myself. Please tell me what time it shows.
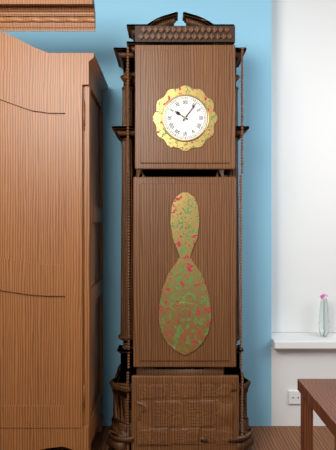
10:06
